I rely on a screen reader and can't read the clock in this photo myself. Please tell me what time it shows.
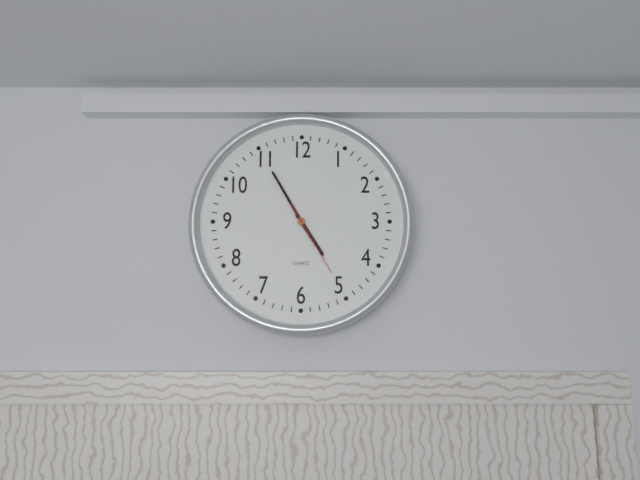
4:55:25
